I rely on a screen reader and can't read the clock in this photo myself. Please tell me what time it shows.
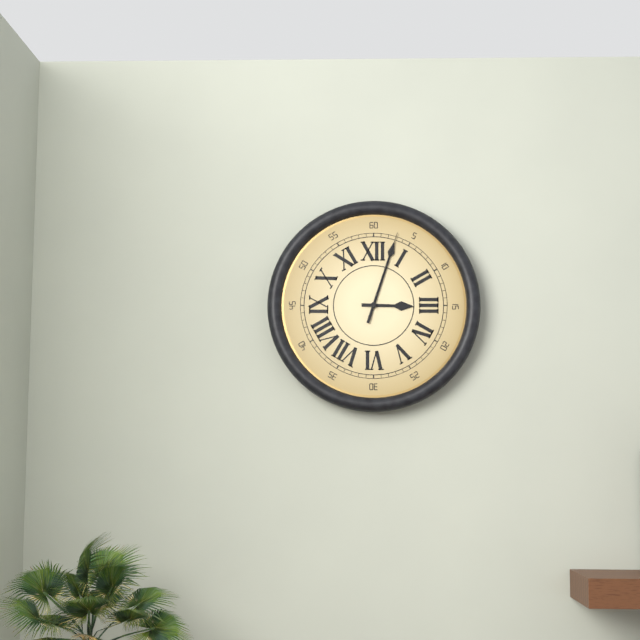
3:03:03
